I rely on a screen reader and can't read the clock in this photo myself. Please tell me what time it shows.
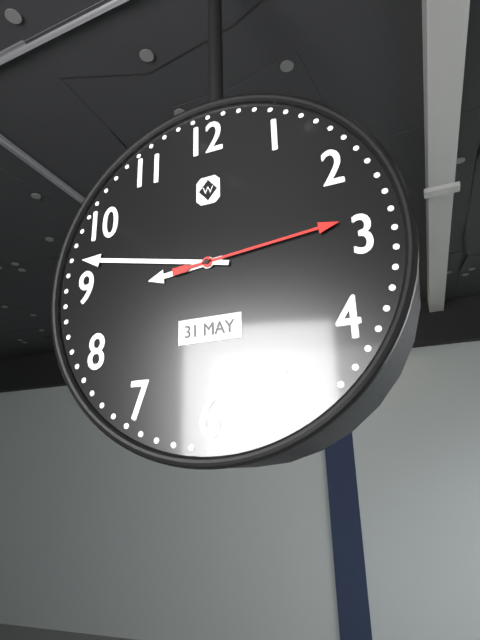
8:47:14
